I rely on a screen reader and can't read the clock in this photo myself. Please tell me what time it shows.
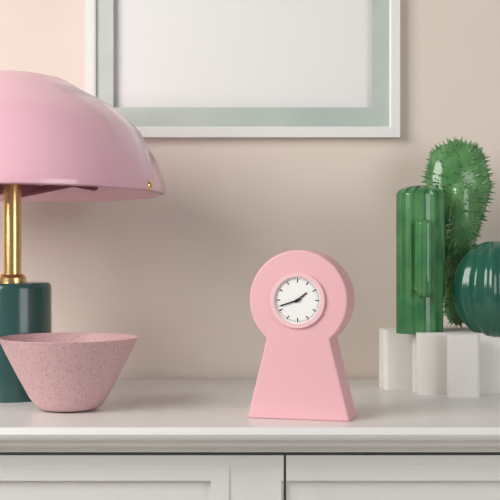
1:42
